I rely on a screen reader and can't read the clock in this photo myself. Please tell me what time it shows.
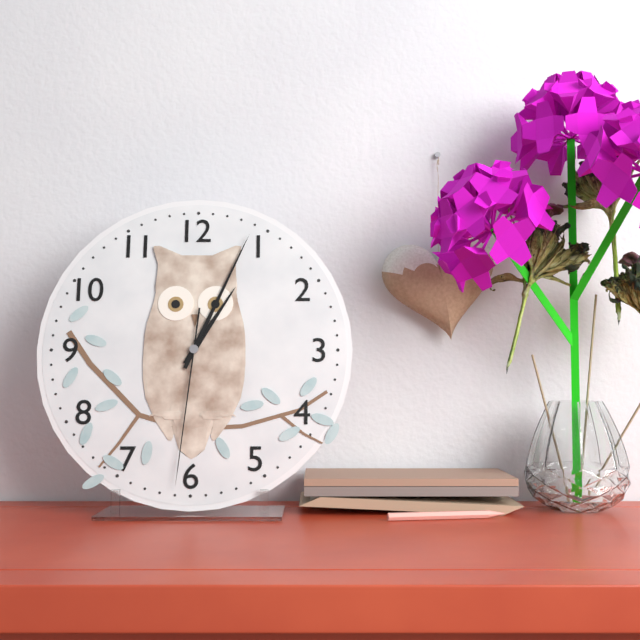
1:04:31
